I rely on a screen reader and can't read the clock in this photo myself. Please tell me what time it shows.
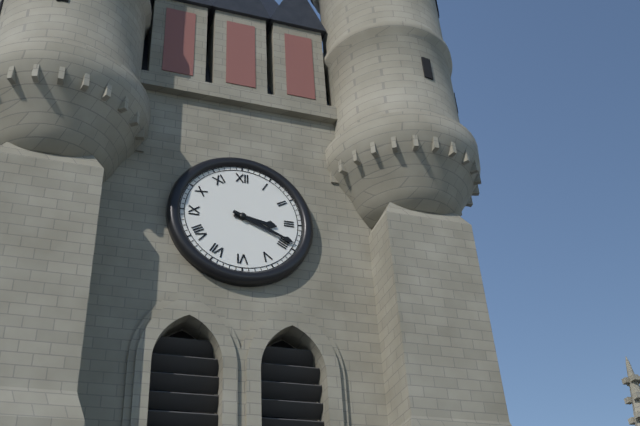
3:19
